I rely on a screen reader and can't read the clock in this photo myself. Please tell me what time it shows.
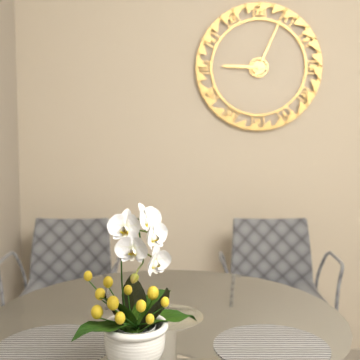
9:04
